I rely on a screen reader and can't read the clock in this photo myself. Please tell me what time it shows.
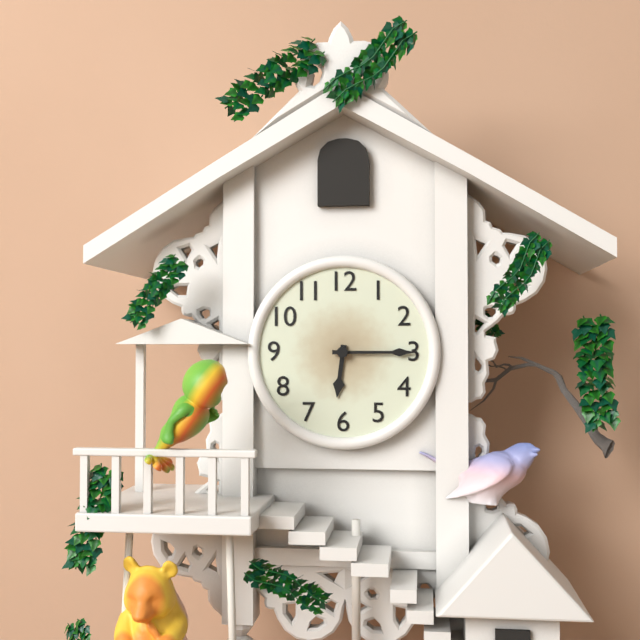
6:15
